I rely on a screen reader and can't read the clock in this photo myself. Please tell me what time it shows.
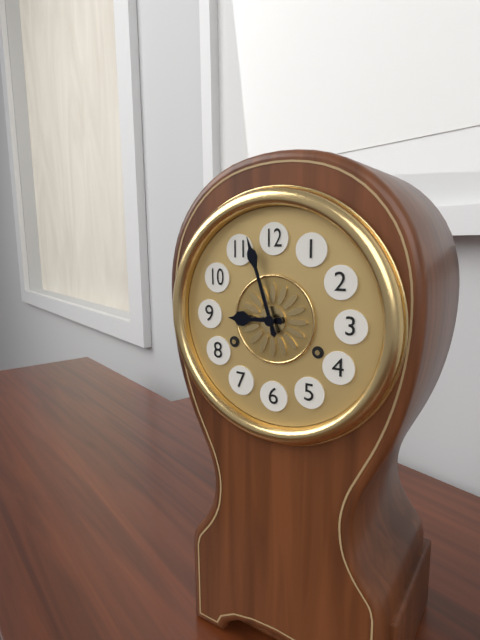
8:57
